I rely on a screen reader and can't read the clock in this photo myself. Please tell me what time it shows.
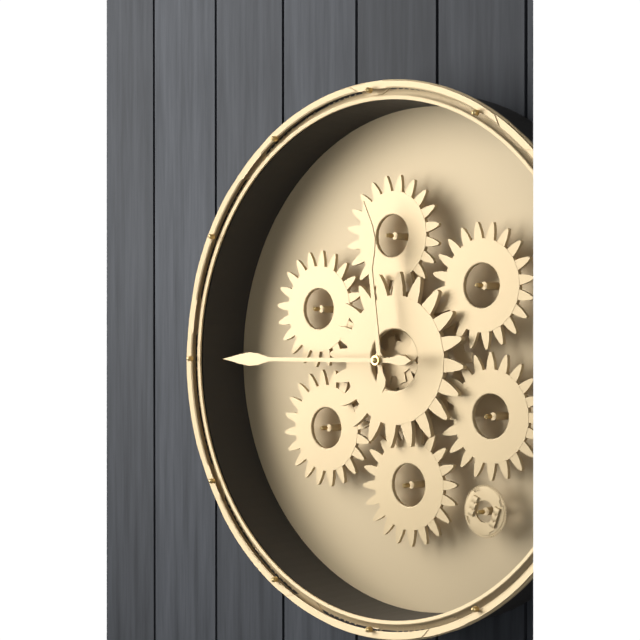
11:45
